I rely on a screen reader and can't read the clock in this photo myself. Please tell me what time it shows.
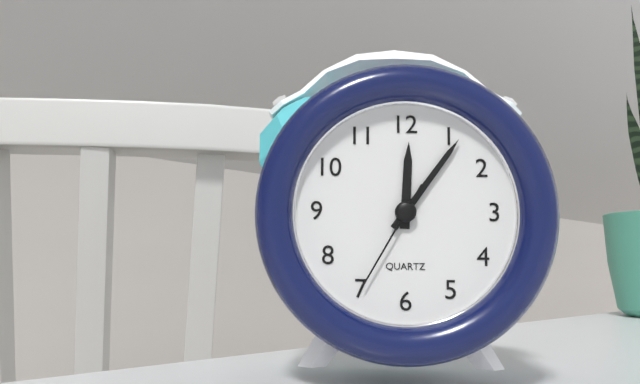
12:06:35
